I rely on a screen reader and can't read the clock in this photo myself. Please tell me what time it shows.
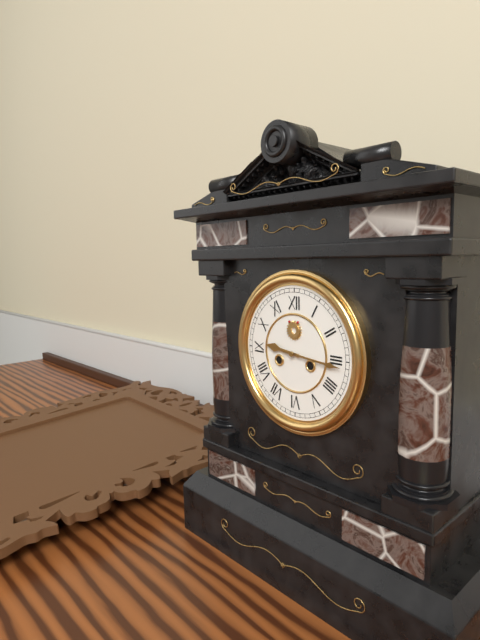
9:16
